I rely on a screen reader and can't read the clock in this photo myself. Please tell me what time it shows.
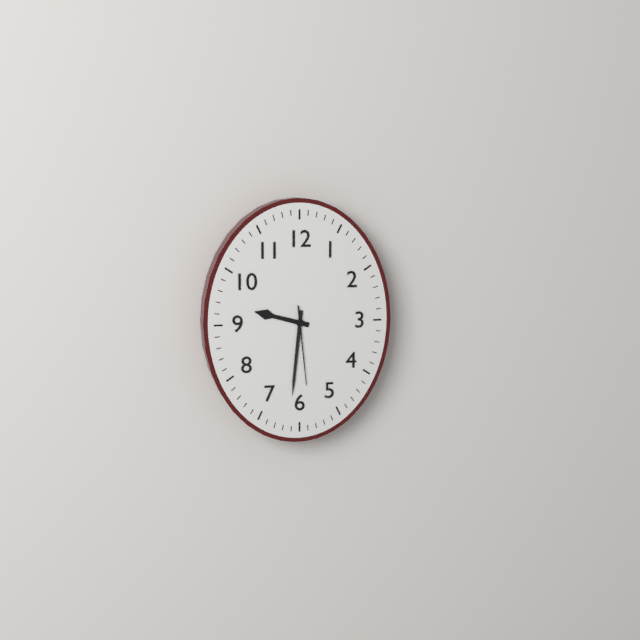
9:31:29
